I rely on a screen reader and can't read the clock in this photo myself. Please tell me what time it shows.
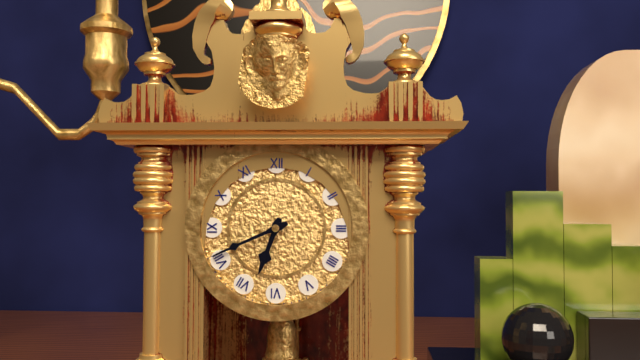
6:41
